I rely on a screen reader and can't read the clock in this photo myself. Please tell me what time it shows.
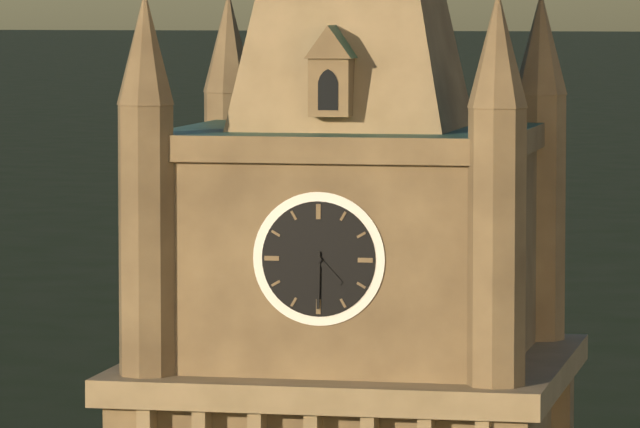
4:30
